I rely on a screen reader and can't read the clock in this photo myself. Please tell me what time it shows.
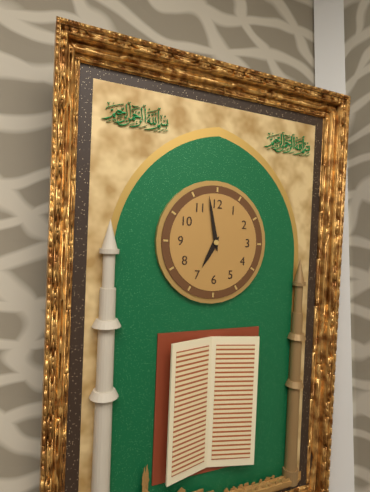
6:58
